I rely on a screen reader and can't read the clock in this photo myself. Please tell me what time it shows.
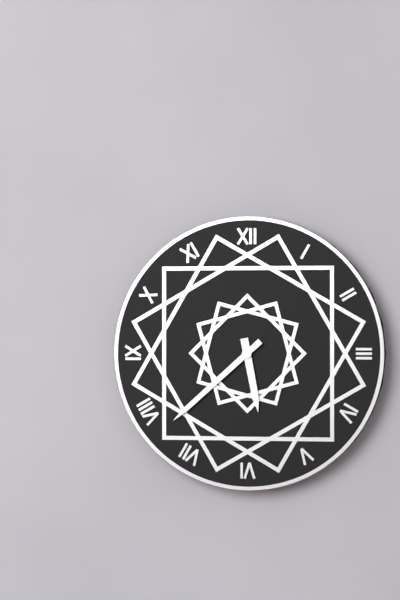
5:38
